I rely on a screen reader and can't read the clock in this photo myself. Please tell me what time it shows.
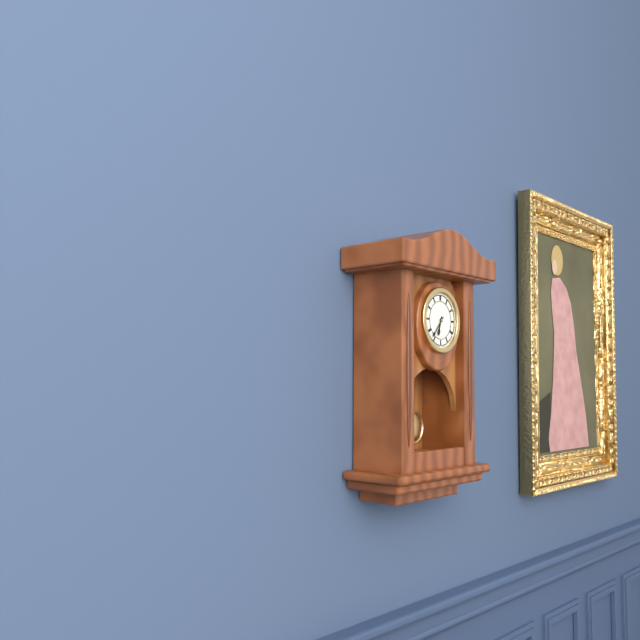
6:37
